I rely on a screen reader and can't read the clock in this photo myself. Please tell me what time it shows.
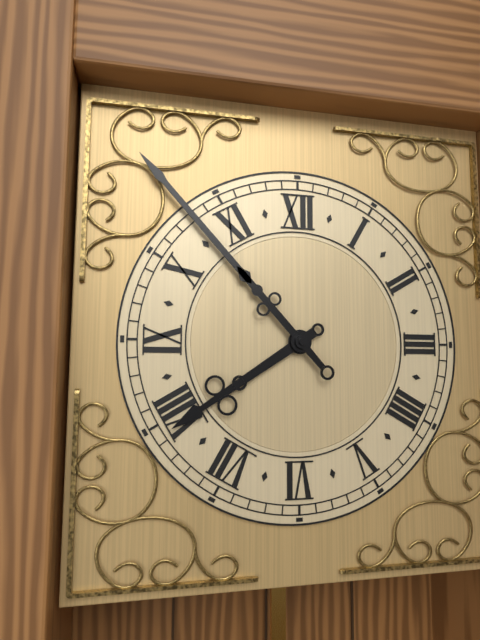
7:53
